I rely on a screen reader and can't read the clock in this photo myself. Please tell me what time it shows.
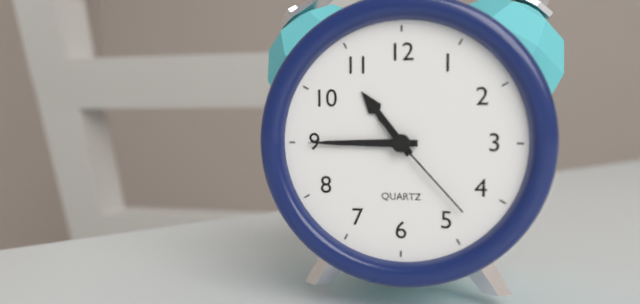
10:45:23
